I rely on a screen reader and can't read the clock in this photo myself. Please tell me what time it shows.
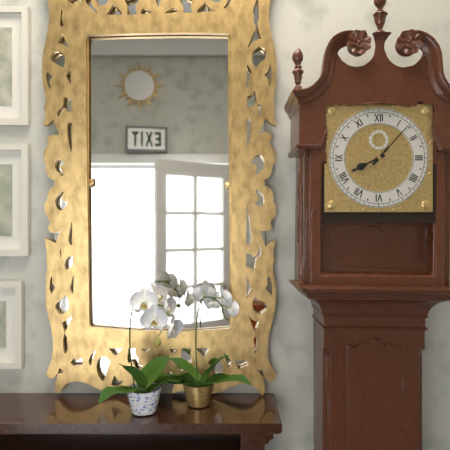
8:07
